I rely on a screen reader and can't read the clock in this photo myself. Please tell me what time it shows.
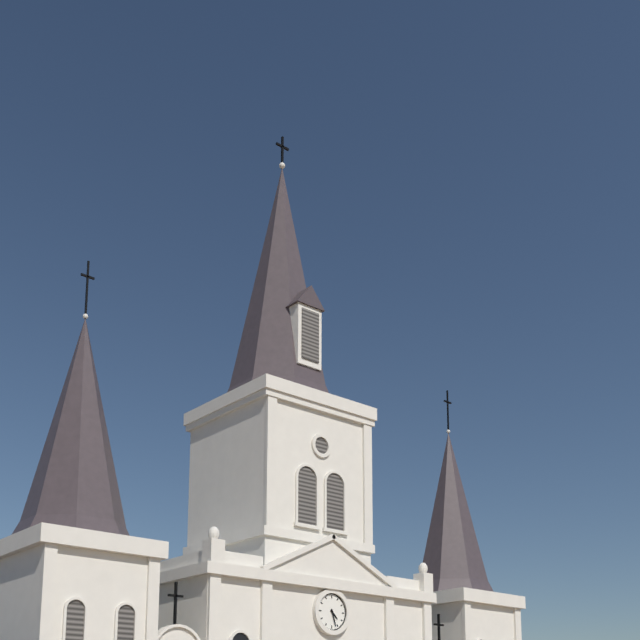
4:27
